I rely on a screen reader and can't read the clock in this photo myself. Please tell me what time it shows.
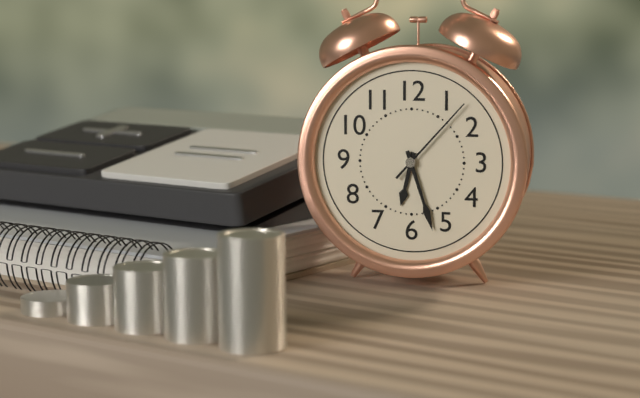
6:27:07
